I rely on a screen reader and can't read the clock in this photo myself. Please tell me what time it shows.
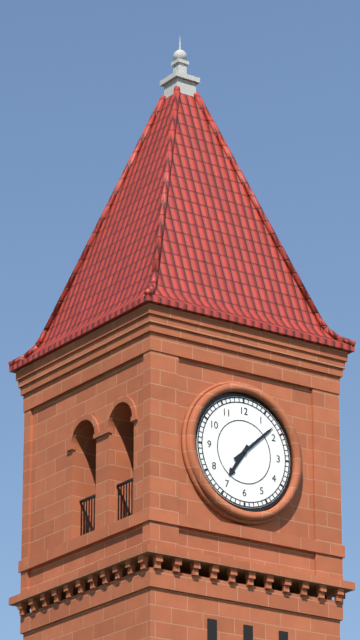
7:08
